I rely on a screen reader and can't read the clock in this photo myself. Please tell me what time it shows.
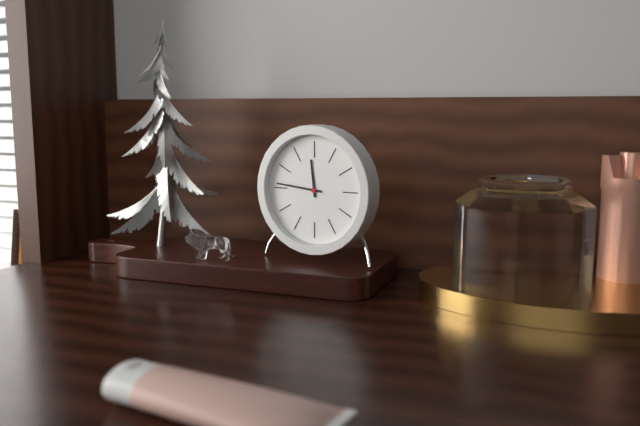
11:46
